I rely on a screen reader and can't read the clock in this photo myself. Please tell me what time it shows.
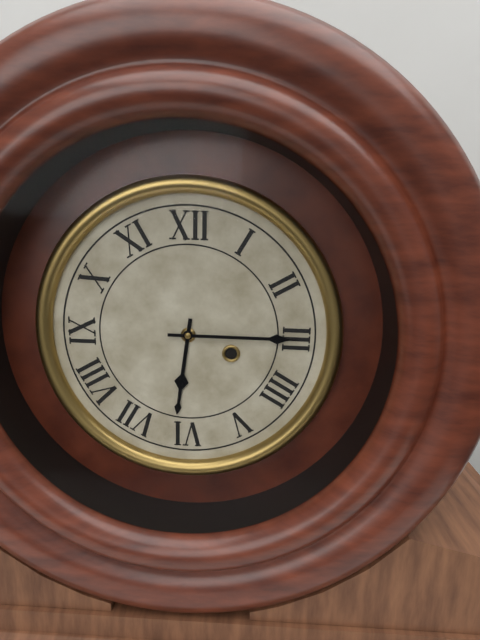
6:15
